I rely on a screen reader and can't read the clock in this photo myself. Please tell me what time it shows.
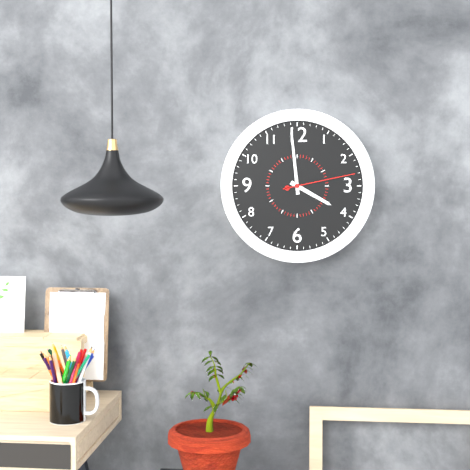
3:59:13
